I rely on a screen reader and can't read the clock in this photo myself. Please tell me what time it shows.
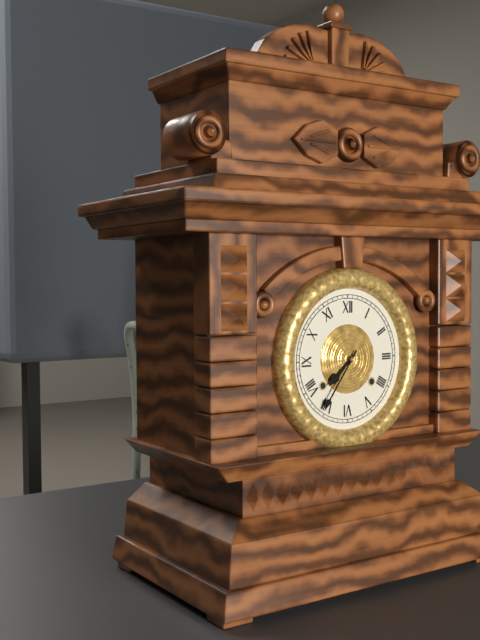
7:36
